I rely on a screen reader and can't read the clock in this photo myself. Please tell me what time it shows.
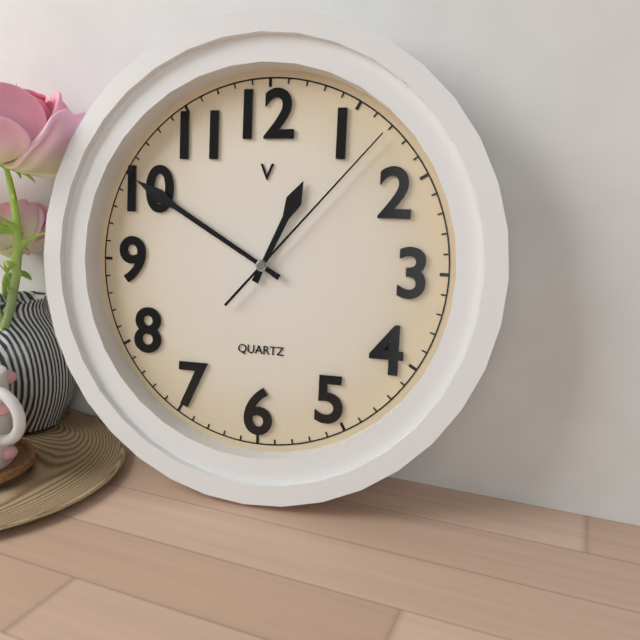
12:50:07
